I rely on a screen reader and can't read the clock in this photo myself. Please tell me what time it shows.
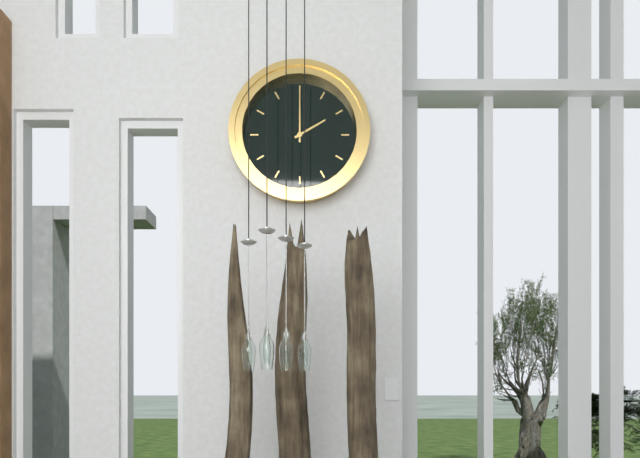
2:00
